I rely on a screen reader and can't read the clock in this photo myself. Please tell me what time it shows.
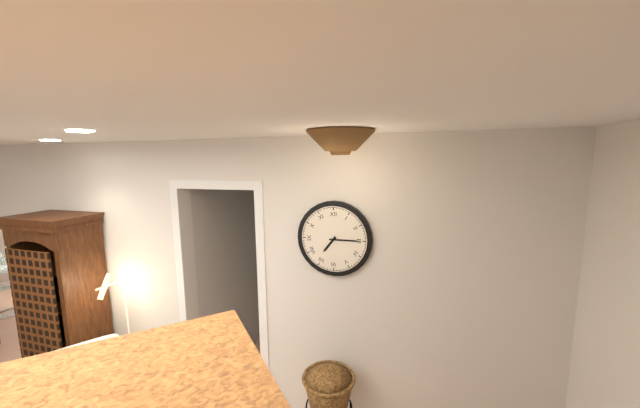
7:15
